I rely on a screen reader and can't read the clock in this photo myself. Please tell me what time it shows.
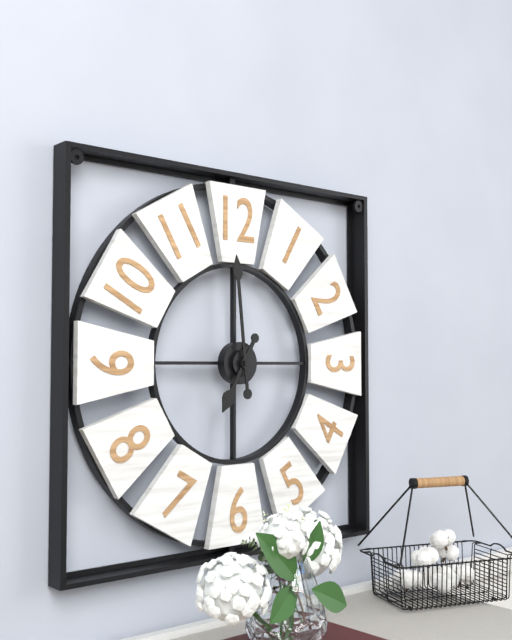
6:59
